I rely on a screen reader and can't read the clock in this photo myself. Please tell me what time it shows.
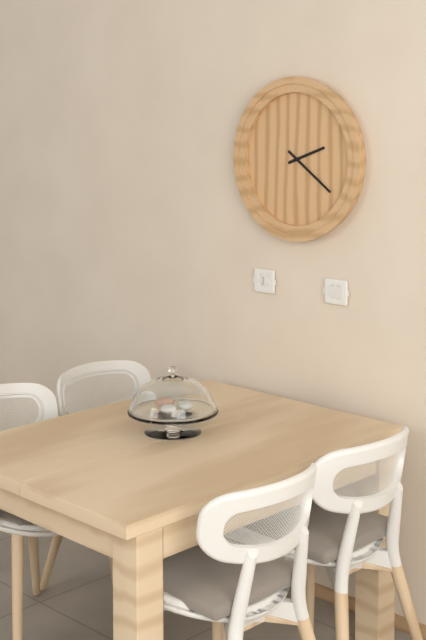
2:21
